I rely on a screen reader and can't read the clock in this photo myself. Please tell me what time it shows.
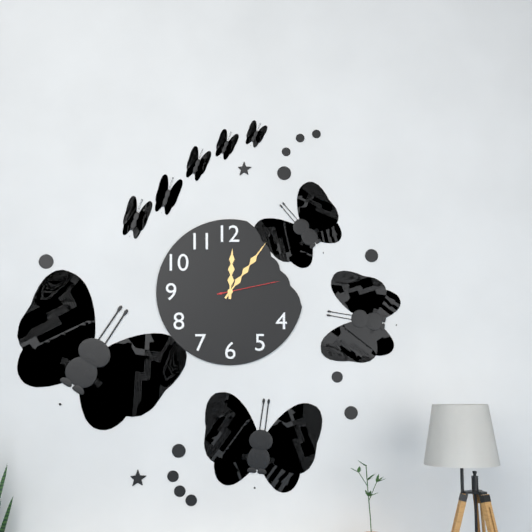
12:06:13
